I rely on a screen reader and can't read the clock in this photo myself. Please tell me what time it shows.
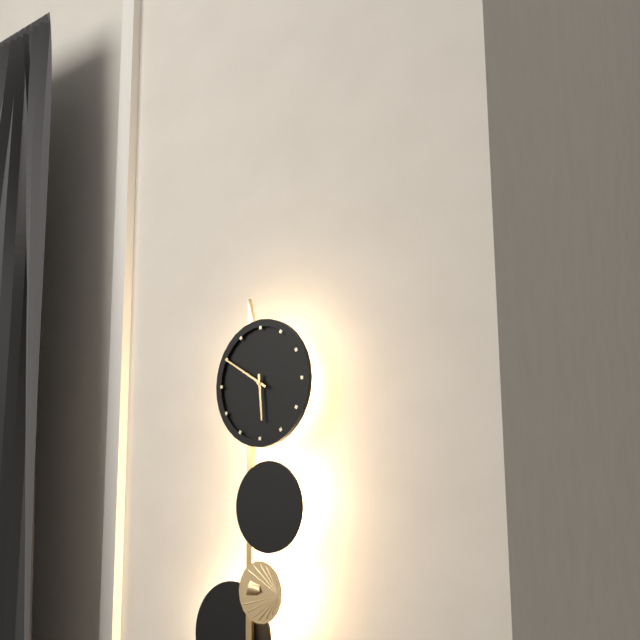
5:50
